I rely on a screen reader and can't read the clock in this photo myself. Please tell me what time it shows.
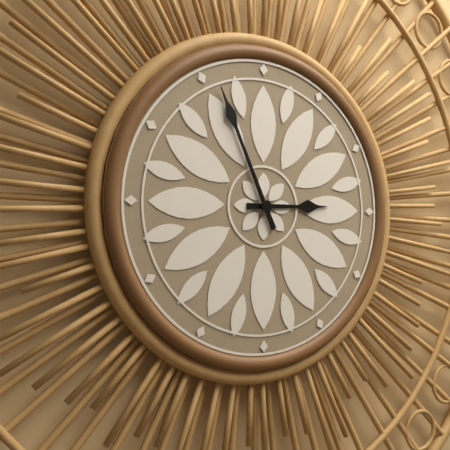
2:56
